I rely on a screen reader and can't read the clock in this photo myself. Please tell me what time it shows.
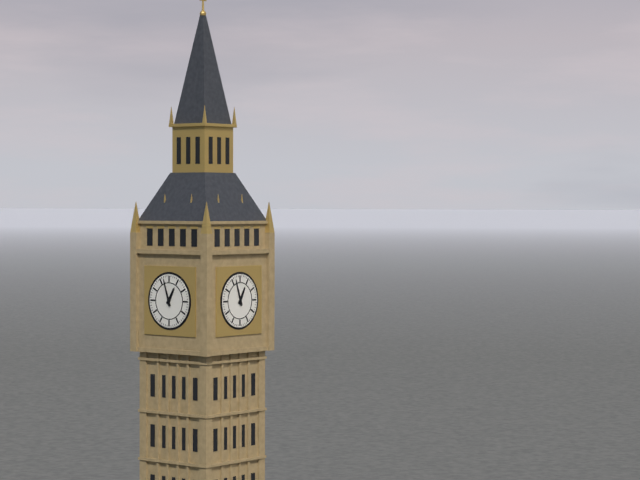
12:57
